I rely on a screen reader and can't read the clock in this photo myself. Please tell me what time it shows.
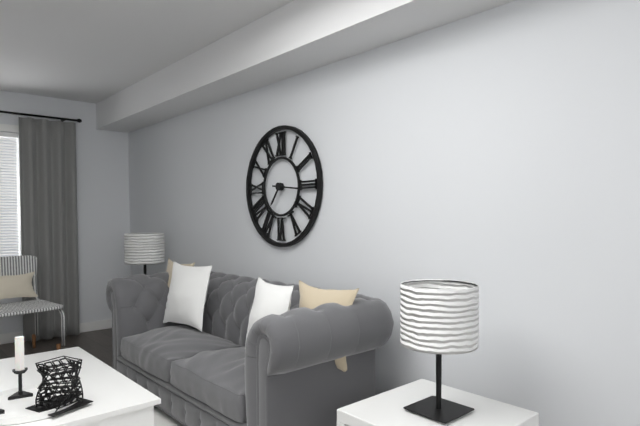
7:16
